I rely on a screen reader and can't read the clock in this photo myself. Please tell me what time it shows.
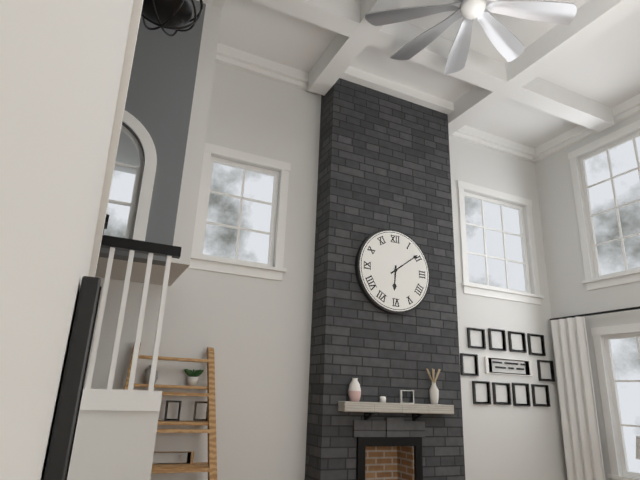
6:09
